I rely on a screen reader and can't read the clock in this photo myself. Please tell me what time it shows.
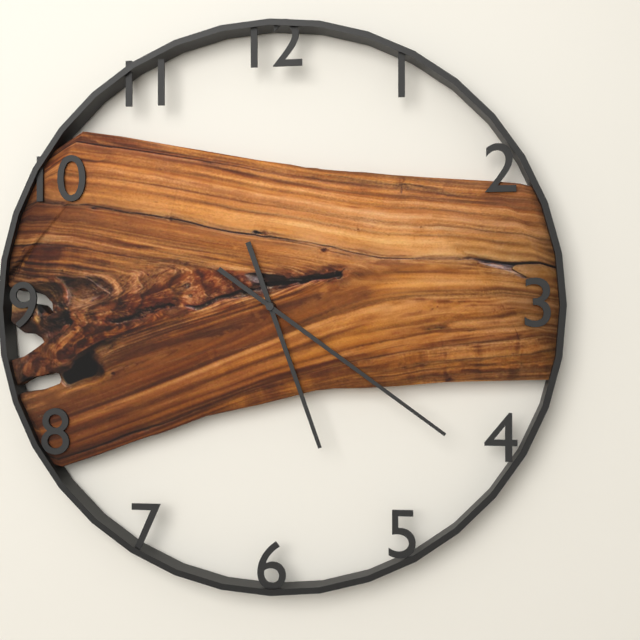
5:21
